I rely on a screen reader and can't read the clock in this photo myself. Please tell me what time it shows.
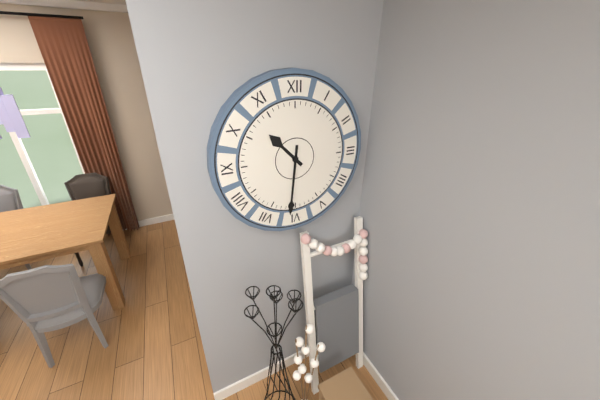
10:31
